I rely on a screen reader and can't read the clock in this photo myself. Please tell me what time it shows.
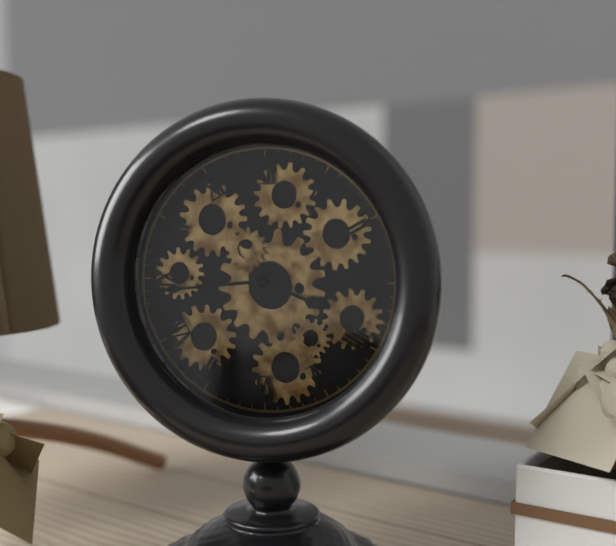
3:44
